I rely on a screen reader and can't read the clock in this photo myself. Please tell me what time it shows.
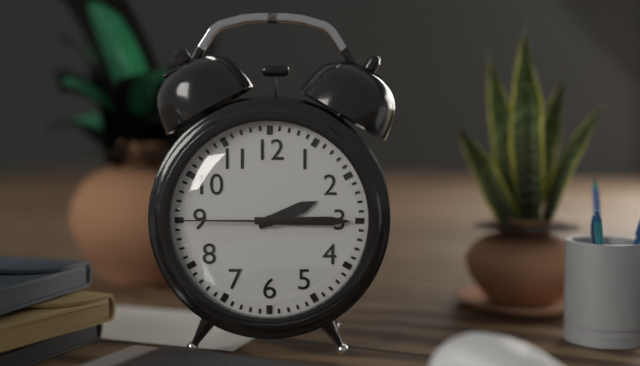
2:15:45
